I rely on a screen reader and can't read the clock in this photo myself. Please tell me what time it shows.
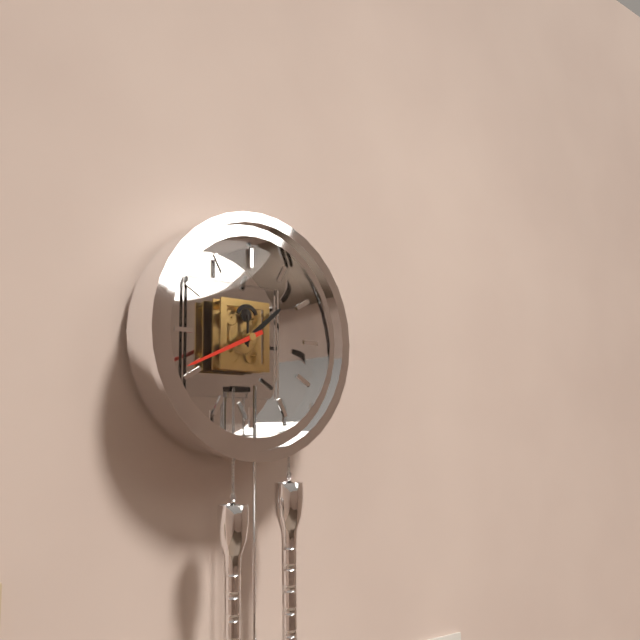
1:41
